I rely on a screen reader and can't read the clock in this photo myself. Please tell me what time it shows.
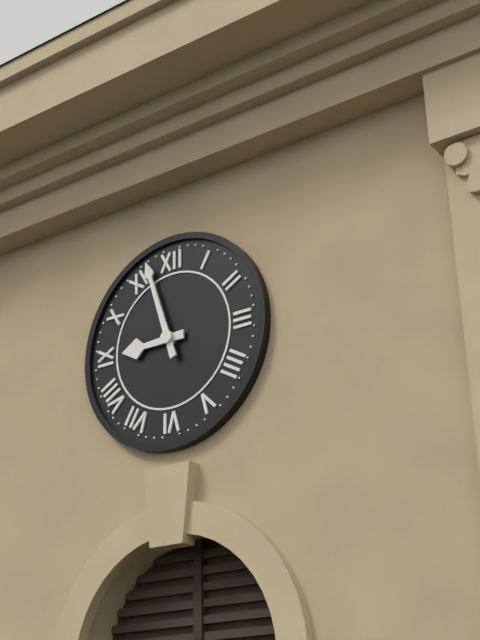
8:57
